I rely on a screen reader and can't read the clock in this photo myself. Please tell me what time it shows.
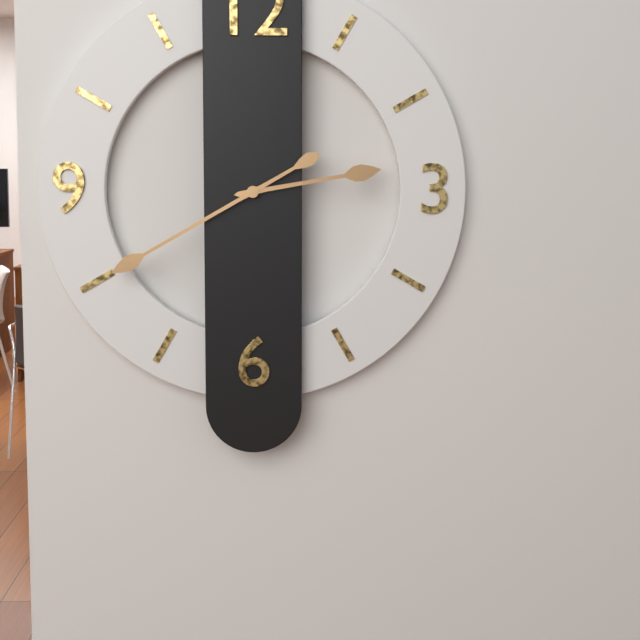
2:40
